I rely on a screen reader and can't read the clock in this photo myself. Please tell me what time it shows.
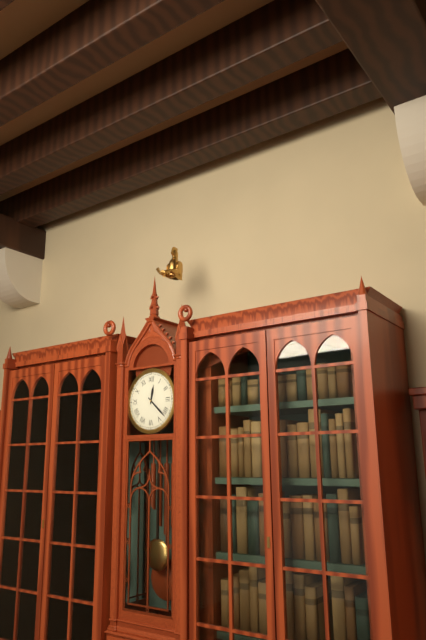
12:22
